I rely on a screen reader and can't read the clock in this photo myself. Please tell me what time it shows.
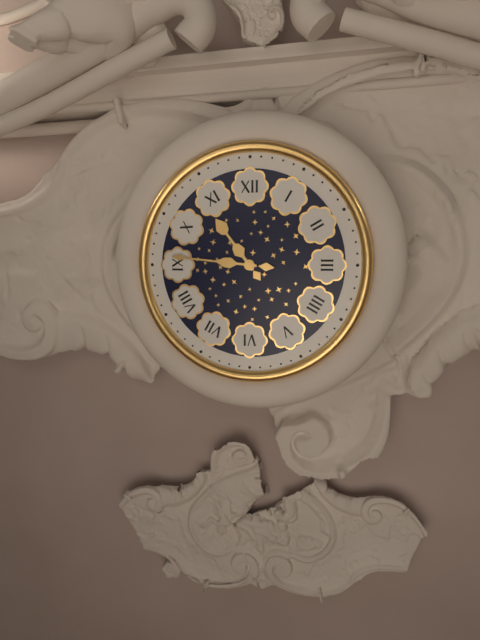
10:46
